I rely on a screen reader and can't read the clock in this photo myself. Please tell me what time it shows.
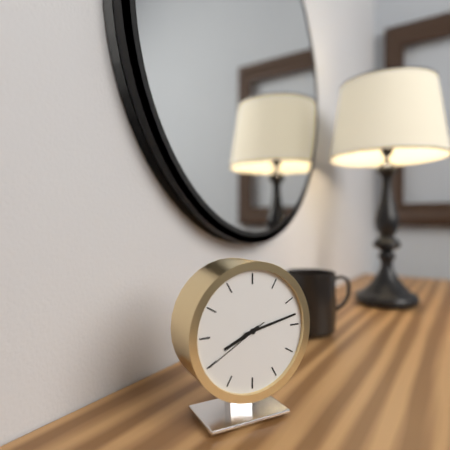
8:13:40
